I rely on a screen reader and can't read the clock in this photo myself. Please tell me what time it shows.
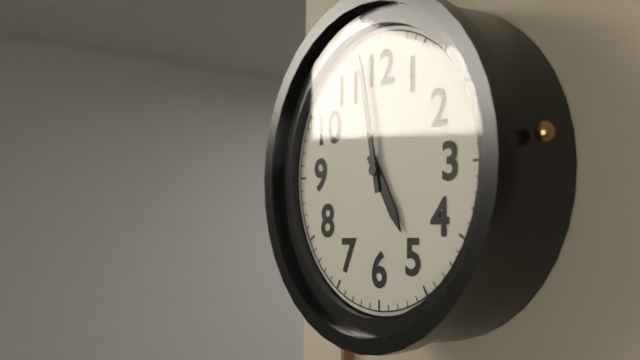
4:58
